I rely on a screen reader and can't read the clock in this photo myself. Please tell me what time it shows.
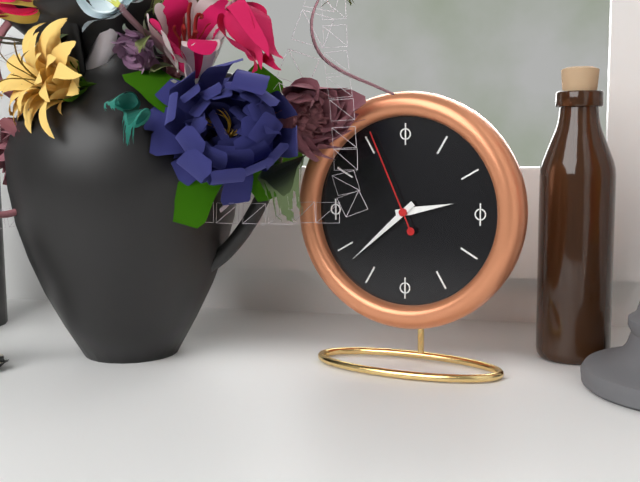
2:38:56
